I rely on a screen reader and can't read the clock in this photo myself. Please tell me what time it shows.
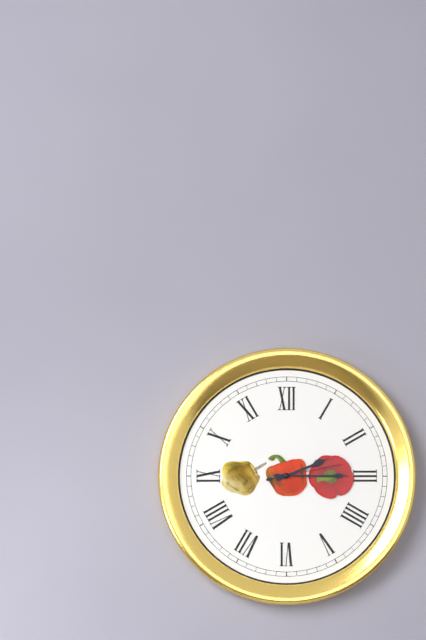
2:15:13
